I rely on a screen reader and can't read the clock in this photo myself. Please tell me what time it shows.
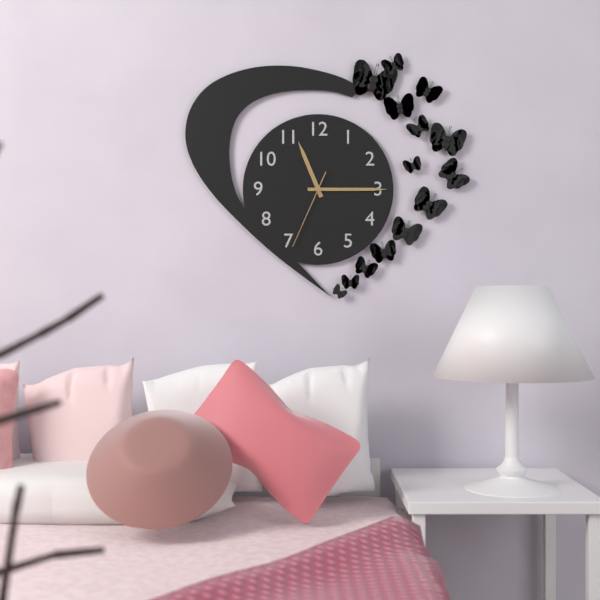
11:15:34
